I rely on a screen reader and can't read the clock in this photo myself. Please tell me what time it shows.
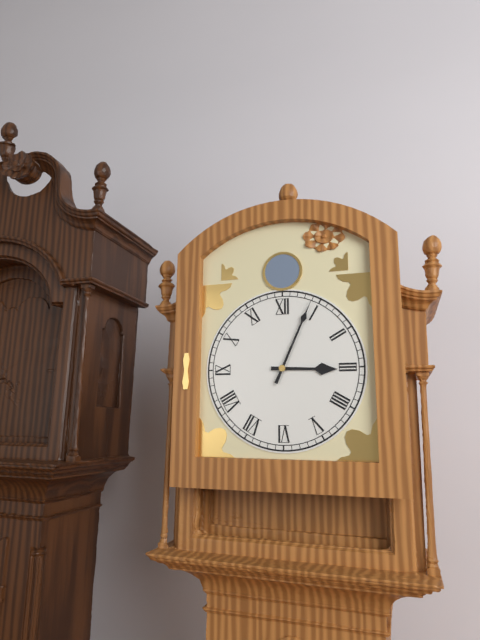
3:04
